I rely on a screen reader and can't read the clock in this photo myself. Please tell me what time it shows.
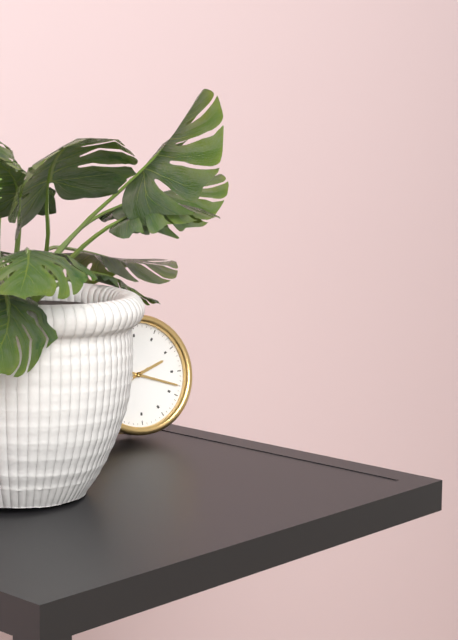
2:18
